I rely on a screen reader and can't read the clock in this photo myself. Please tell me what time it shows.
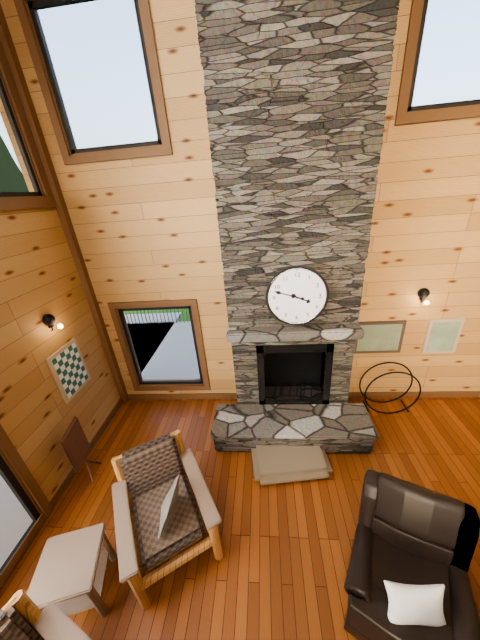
3:48
